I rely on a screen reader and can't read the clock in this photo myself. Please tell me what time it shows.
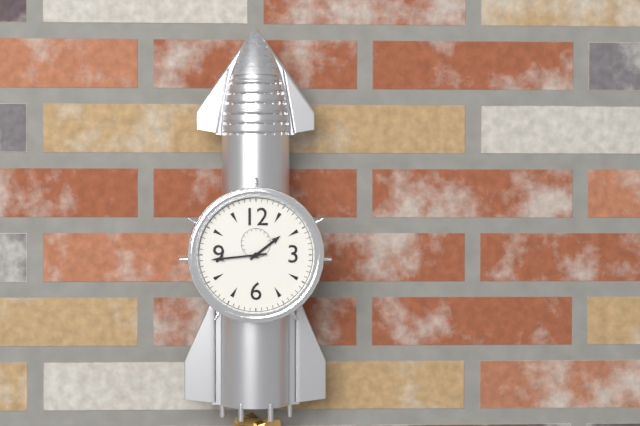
1:44
